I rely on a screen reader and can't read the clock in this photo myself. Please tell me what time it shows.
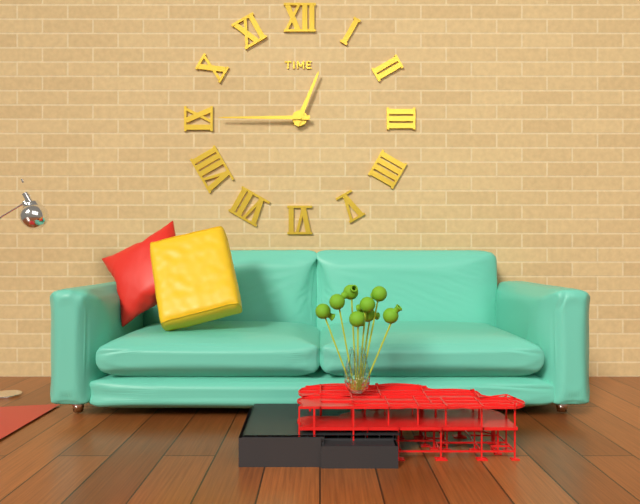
12:45
